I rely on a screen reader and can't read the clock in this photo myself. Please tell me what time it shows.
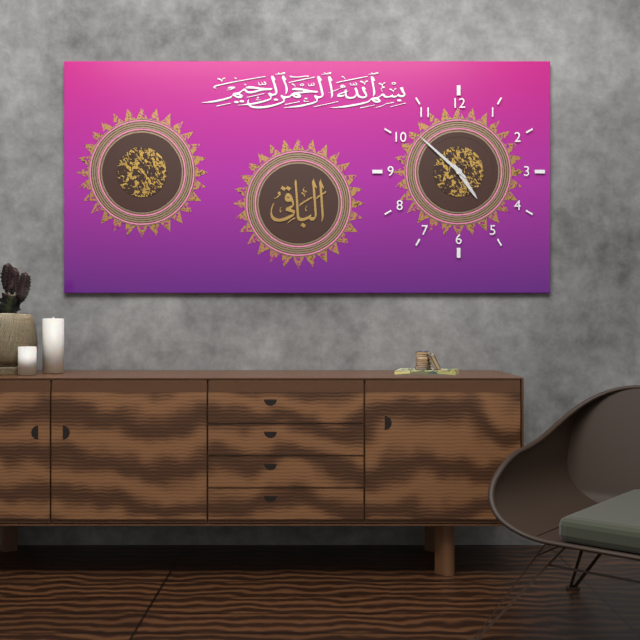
4:52
